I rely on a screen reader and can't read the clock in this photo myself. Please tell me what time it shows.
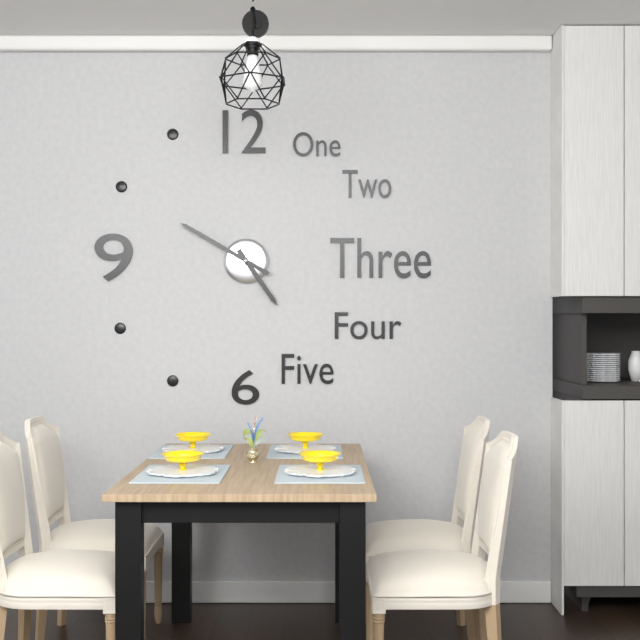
4:50
